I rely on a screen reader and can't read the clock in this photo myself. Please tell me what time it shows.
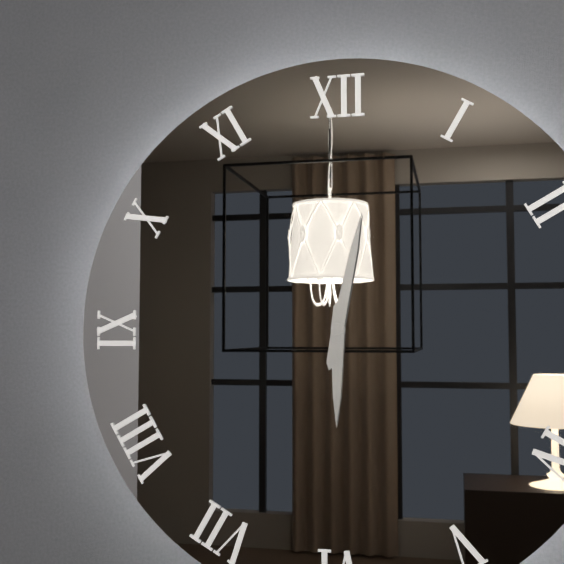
6:02
